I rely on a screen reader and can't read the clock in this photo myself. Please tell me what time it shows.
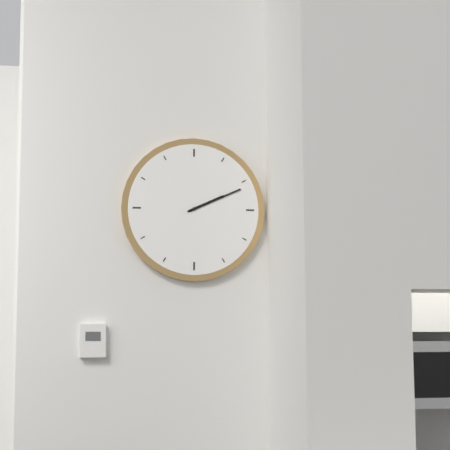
2:11
